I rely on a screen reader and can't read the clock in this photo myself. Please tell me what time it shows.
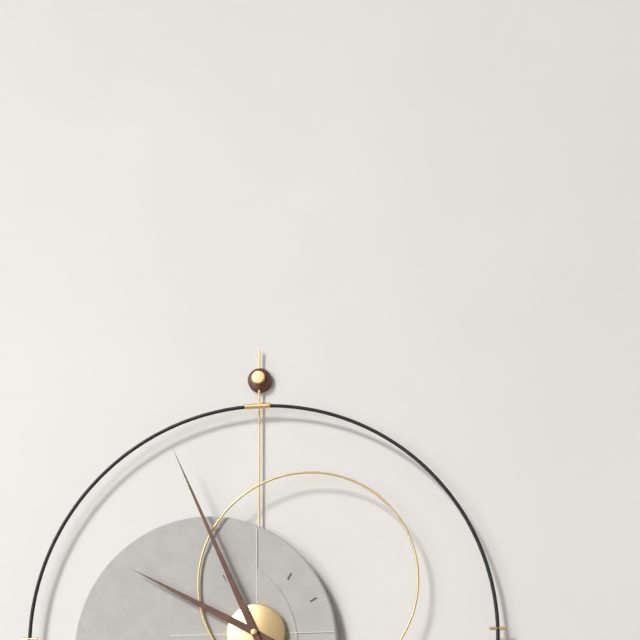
9:56
